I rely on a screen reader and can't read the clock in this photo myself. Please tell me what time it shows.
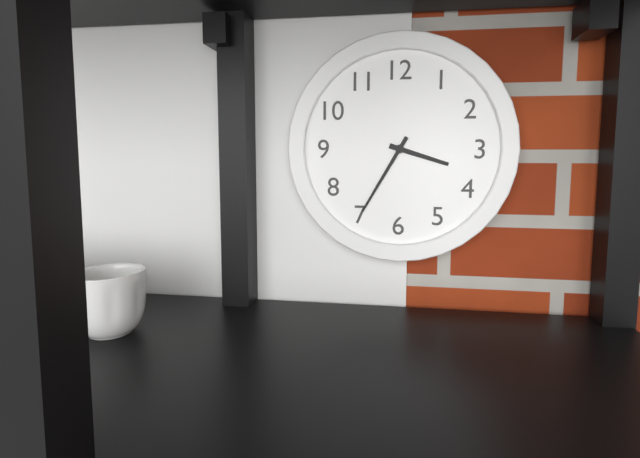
3:35
